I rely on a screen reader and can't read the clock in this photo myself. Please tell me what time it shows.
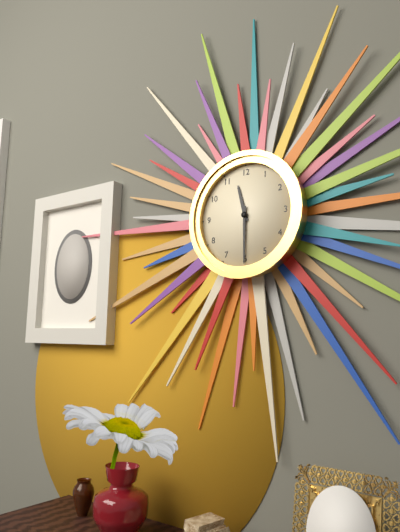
11:30
